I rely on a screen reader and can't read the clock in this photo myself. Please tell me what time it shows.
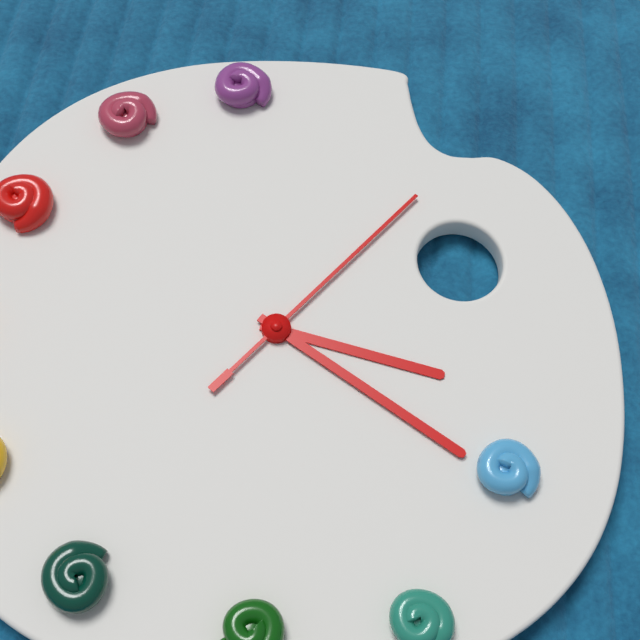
3:20:06
